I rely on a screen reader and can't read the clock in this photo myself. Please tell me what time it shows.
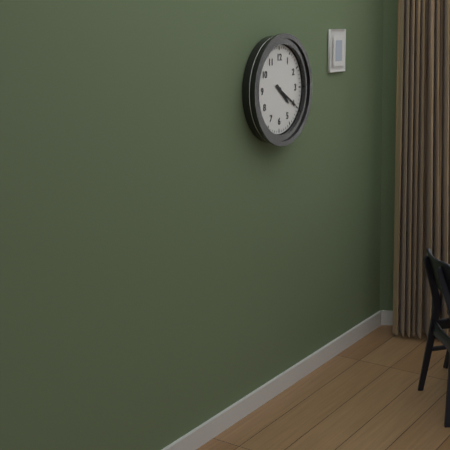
4:20
